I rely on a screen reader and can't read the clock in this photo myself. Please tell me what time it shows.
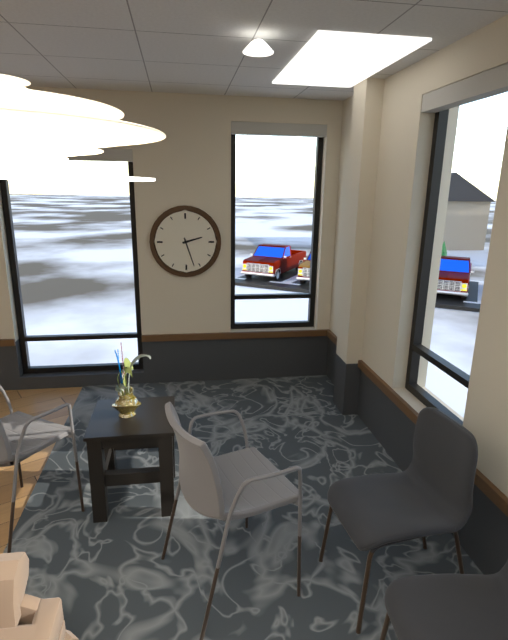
2:27
